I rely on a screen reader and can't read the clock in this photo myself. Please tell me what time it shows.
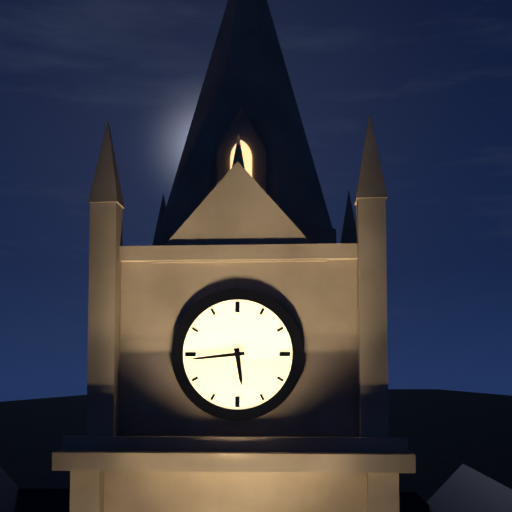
5:44
